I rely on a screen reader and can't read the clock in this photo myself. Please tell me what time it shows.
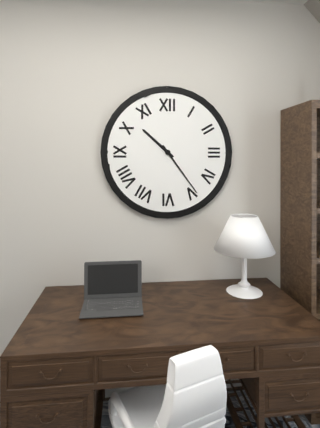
10:24
